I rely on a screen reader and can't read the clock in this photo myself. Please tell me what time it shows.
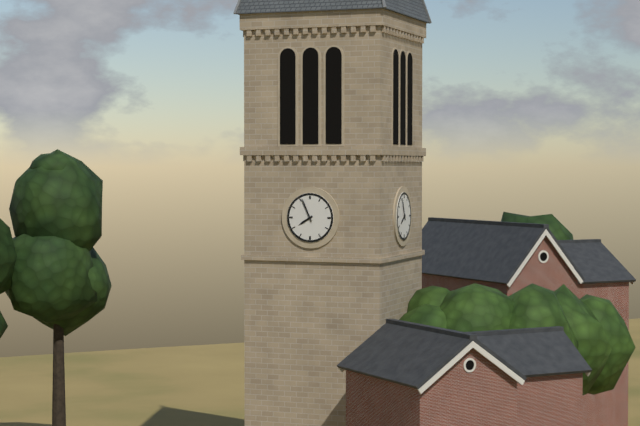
7:56
